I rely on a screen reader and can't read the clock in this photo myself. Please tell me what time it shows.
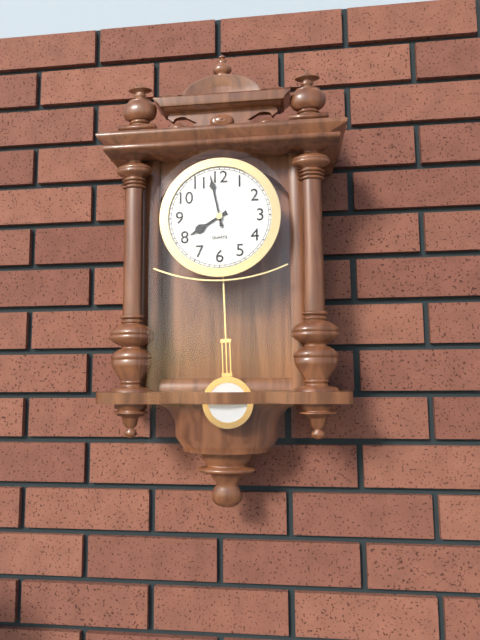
7:58
